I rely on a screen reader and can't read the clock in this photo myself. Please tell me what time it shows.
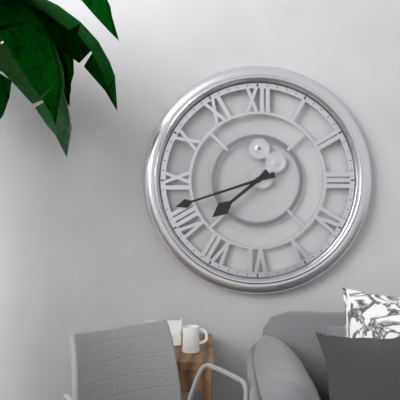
7:42
